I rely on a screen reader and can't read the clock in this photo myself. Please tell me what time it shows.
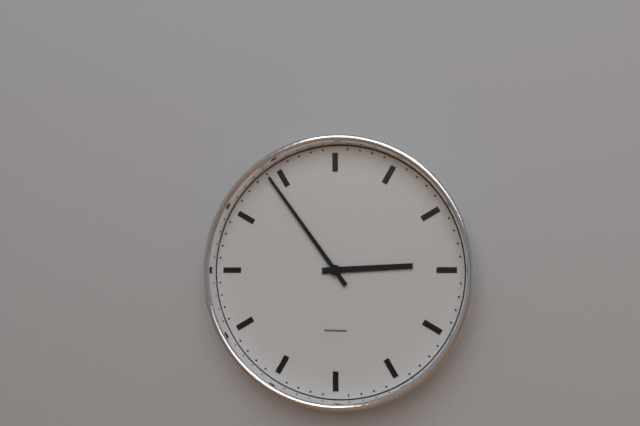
2:54
